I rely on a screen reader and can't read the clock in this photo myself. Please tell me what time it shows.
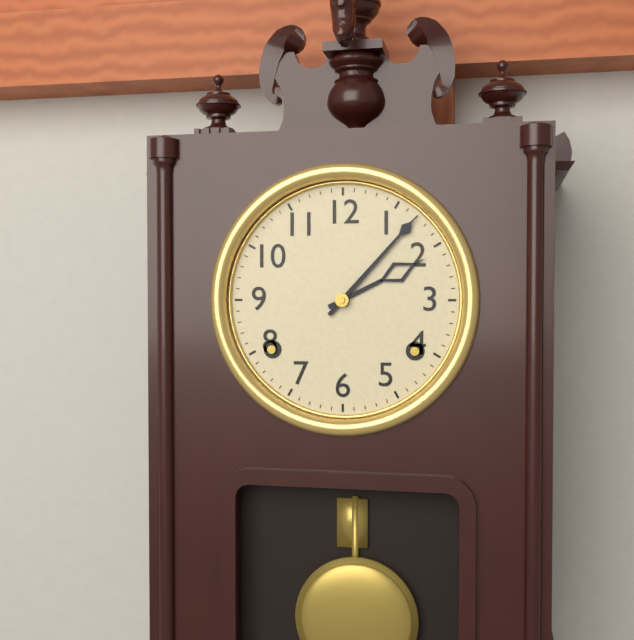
2:07
